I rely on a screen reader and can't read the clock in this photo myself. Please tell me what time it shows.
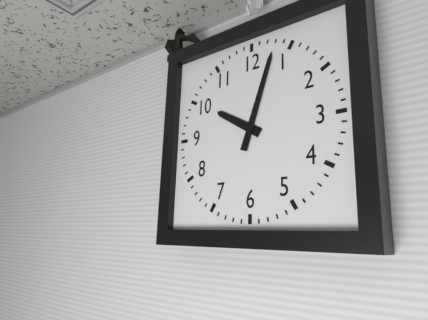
10:03
